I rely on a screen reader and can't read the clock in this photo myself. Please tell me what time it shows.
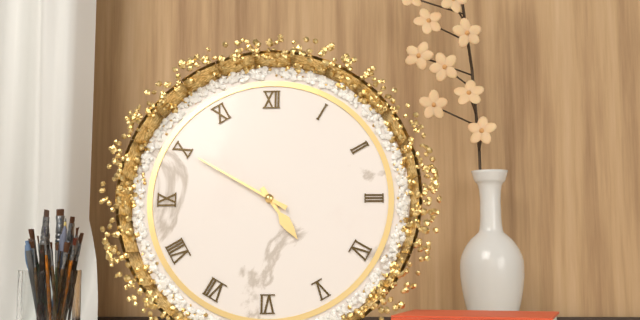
4:50
